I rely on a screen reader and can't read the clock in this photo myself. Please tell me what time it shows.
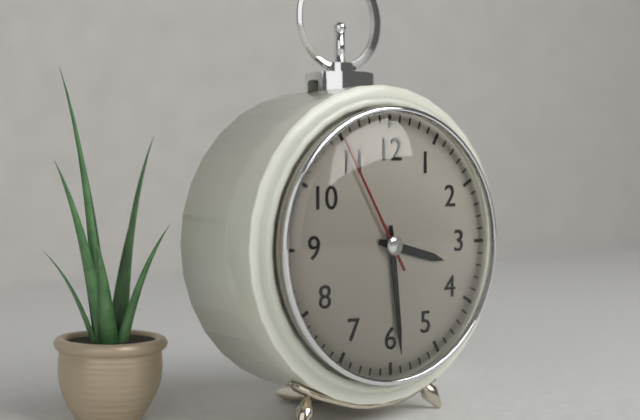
3:29:55
